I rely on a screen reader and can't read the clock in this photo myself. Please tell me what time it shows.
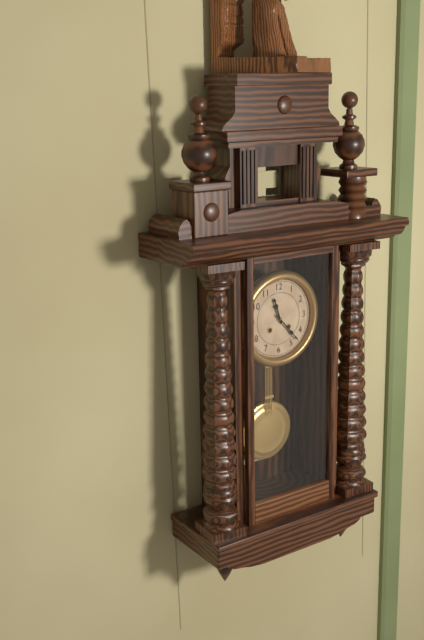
11:23
